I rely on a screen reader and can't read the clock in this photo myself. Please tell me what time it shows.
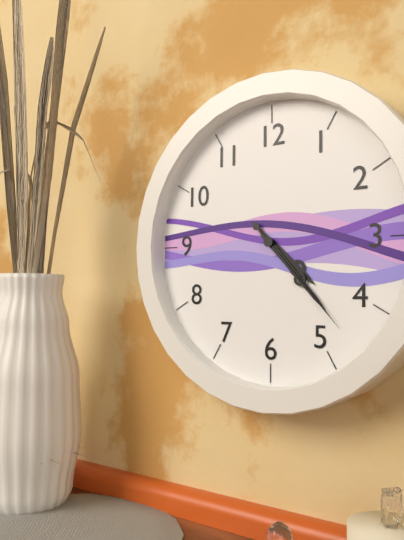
4:23:23
